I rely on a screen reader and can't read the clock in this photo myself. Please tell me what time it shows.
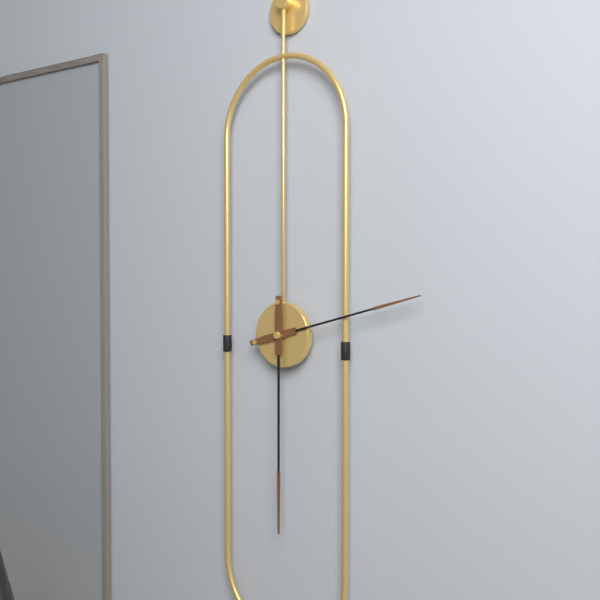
2:30
